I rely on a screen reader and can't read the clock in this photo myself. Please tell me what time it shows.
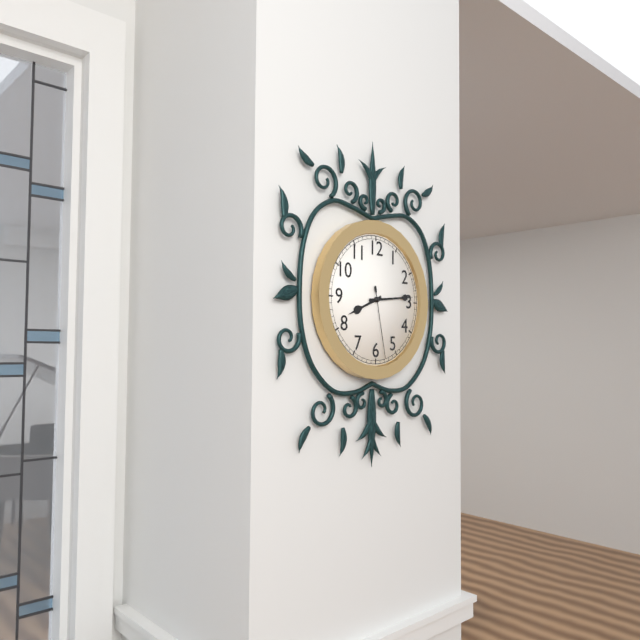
8:14:28
